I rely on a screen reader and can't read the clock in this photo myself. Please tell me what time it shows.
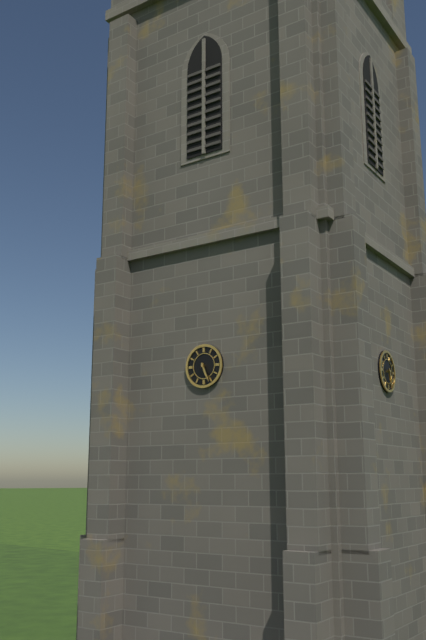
5:26
